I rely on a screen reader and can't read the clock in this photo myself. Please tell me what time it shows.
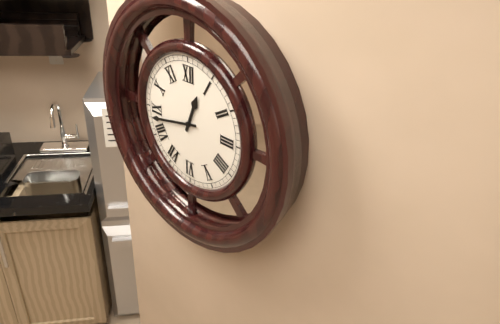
12:43
